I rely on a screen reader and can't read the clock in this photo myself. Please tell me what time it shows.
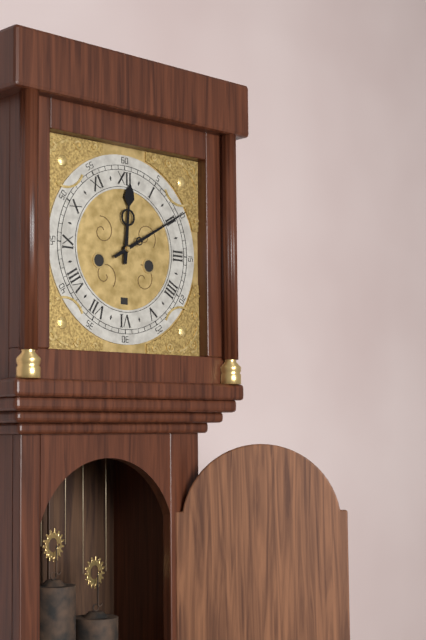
12:10
